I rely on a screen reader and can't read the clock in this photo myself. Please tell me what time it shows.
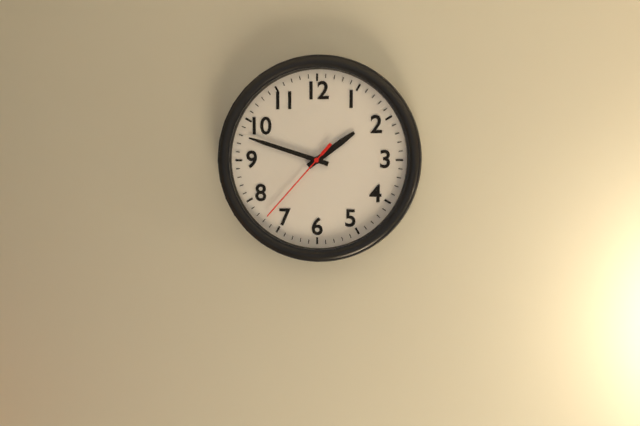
1:48:37
